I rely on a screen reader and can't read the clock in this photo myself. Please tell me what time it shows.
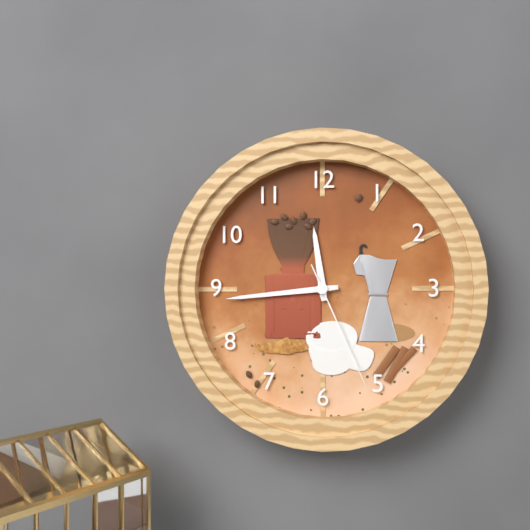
11:44:26
